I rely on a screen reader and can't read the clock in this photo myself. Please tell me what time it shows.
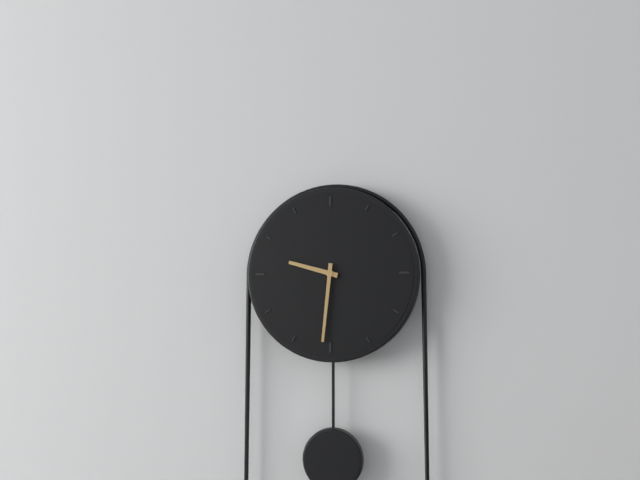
9:31
